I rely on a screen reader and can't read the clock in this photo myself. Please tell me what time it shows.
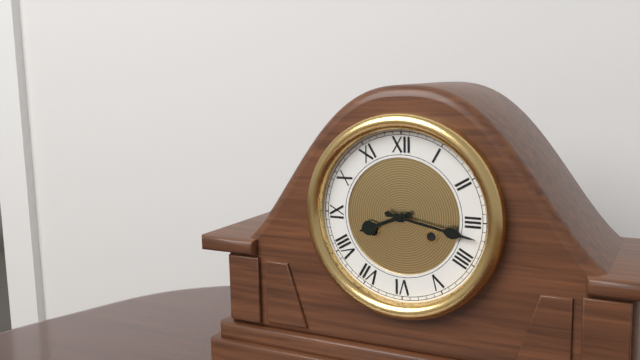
8:17
